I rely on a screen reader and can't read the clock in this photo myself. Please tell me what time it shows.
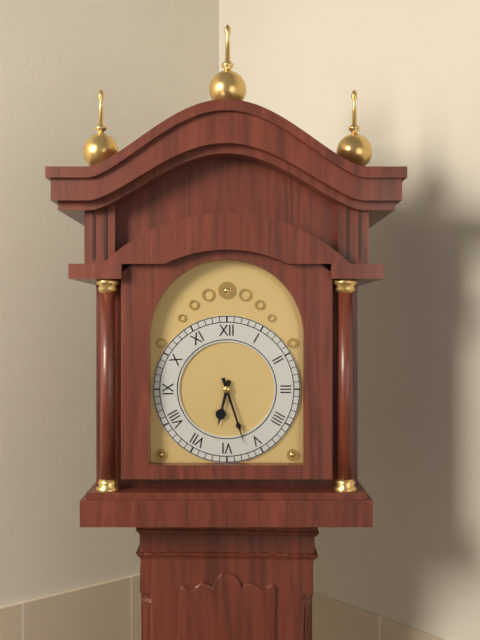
6:27
